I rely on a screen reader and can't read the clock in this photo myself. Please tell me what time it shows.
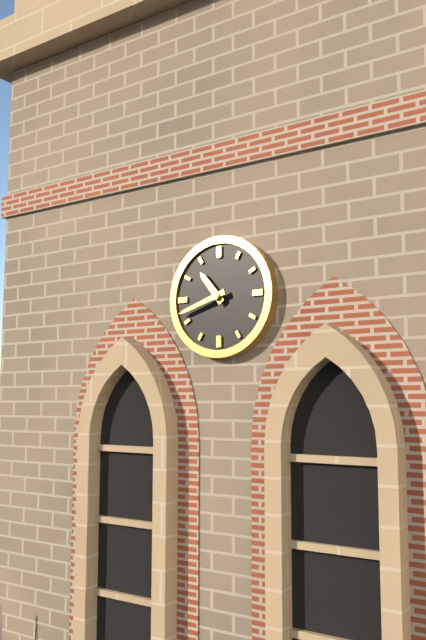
10:42
